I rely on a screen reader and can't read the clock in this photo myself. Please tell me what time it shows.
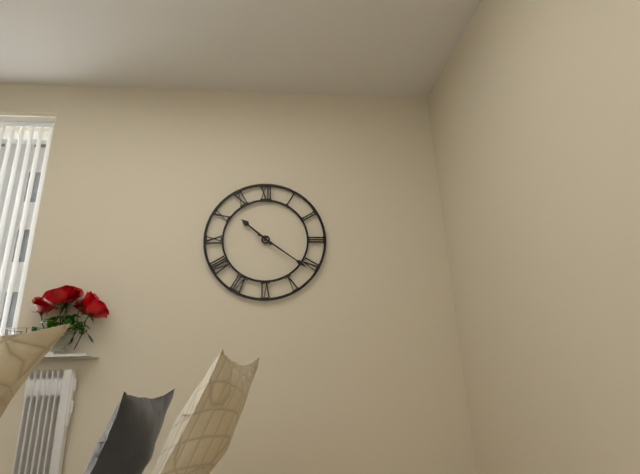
10:21
